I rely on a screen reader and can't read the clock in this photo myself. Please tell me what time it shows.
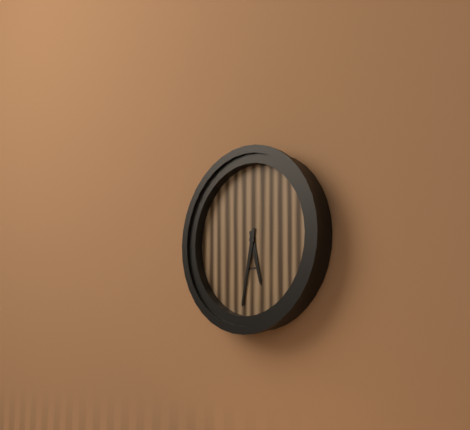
5:32
